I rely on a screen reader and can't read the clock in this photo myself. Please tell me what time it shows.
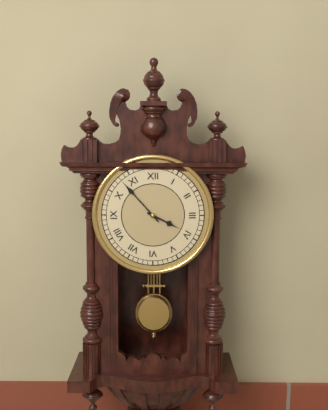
3:53
